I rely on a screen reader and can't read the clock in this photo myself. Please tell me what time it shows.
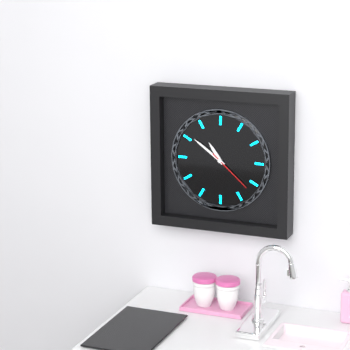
10:51
